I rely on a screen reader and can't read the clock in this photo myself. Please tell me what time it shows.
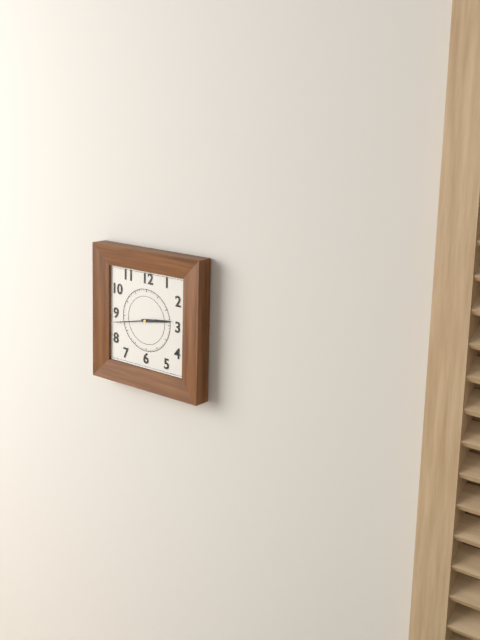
2:43
